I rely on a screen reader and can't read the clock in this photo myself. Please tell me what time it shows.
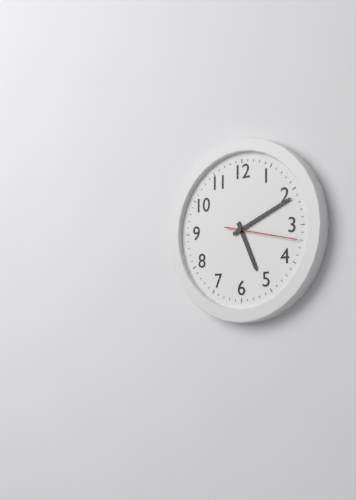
5:11:17
